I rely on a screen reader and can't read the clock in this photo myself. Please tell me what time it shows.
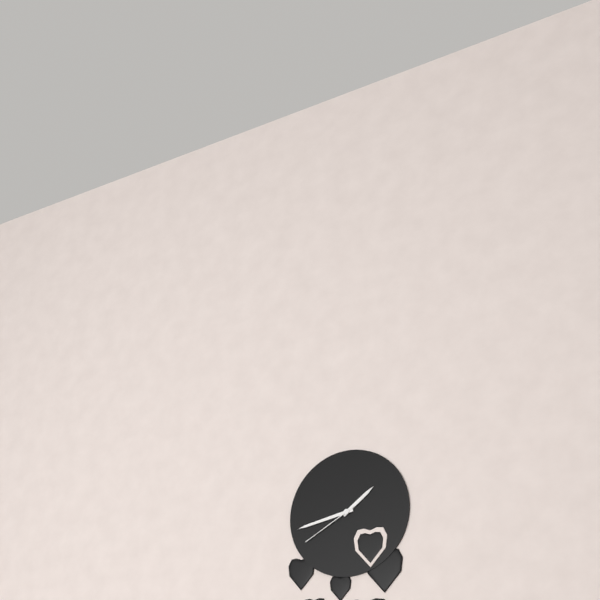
1:43:40
